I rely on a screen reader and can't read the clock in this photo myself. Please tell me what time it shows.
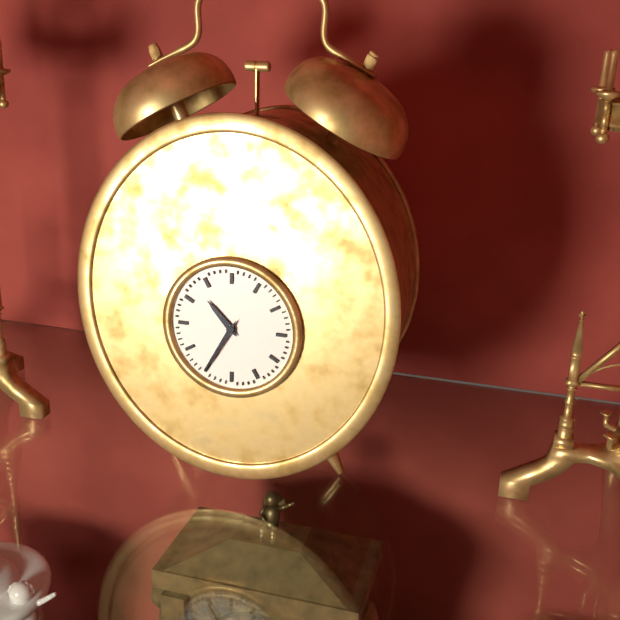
10:35
